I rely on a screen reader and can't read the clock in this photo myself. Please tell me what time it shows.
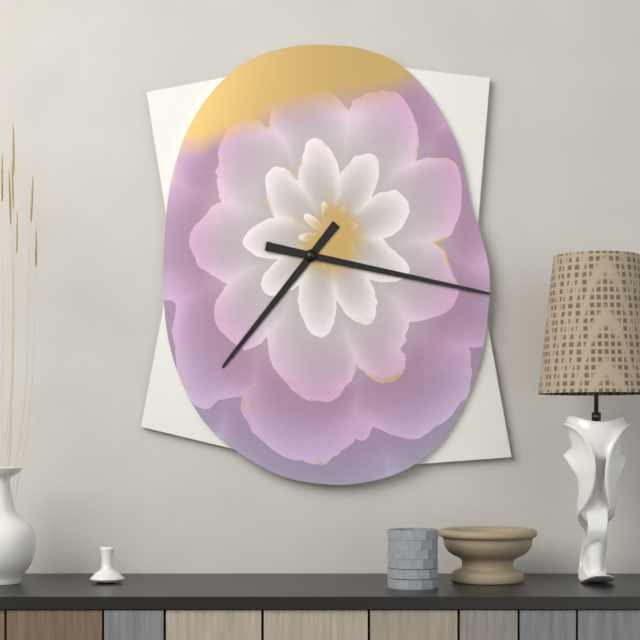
7:17
